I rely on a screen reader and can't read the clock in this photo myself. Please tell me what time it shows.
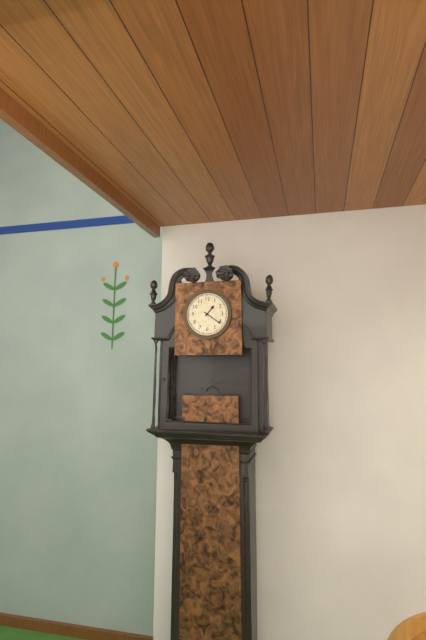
1:21
